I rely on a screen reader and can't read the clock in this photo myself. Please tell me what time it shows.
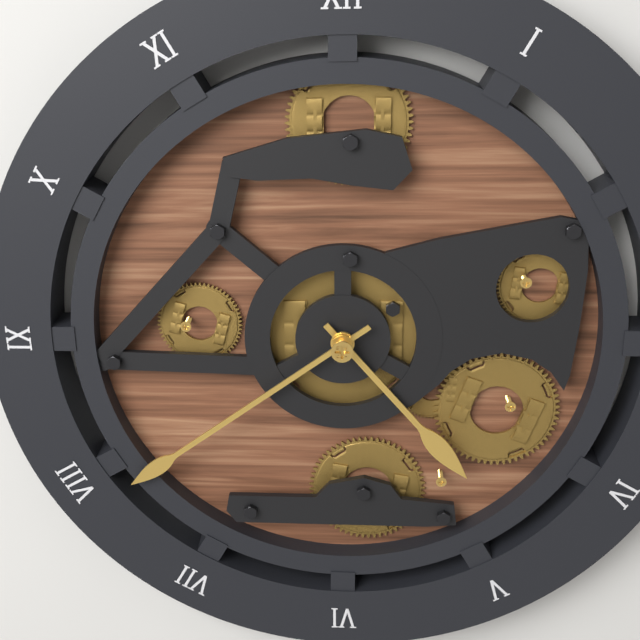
4:39
